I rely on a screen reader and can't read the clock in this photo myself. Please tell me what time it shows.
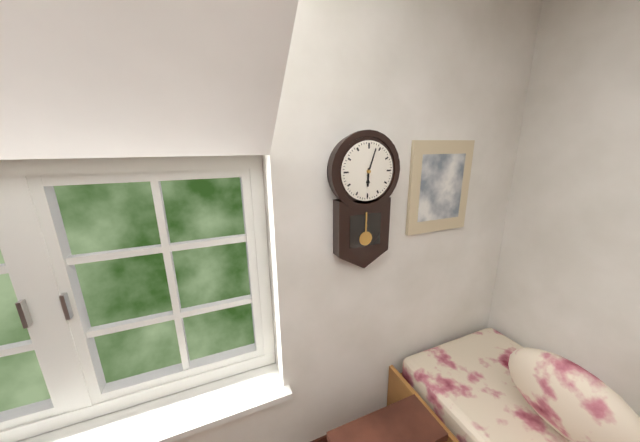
6:03
